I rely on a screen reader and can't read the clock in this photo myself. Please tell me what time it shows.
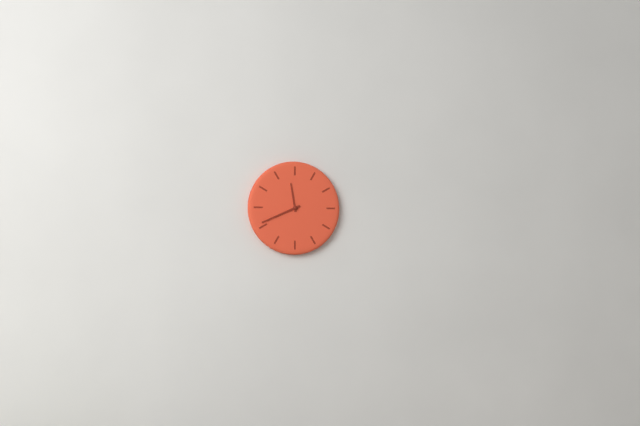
11:41
